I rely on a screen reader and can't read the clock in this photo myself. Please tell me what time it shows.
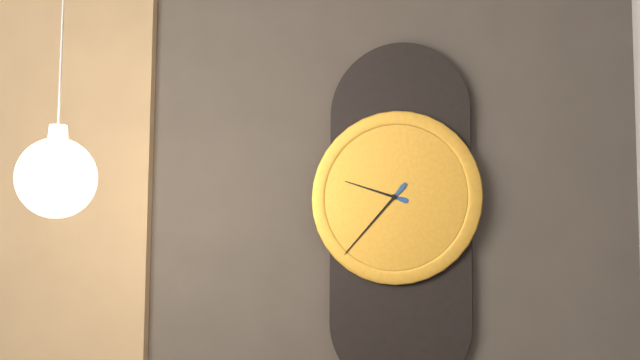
9:37
